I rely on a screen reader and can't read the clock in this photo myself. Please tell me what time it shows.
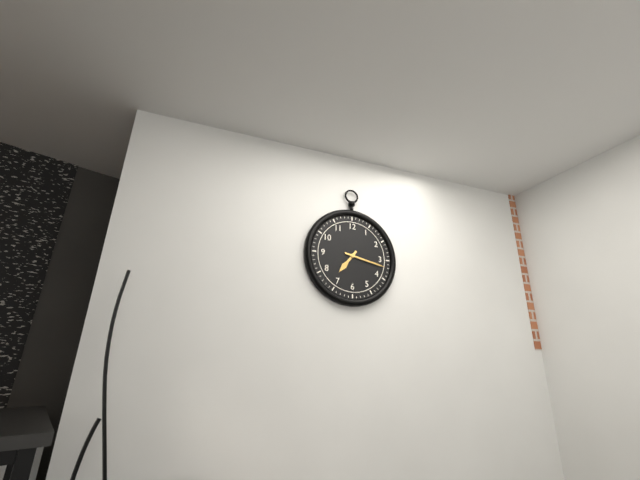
7:17
